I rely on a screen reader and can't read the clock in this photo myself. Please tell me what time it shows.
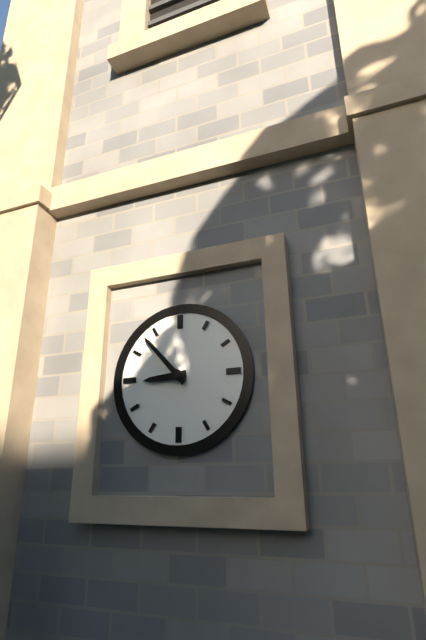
8:53
